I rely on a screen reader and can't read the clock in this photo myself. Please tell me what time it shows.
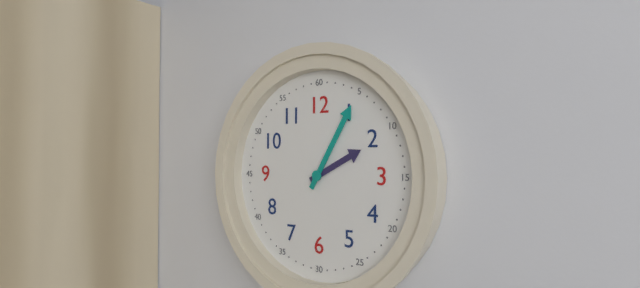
2:05
